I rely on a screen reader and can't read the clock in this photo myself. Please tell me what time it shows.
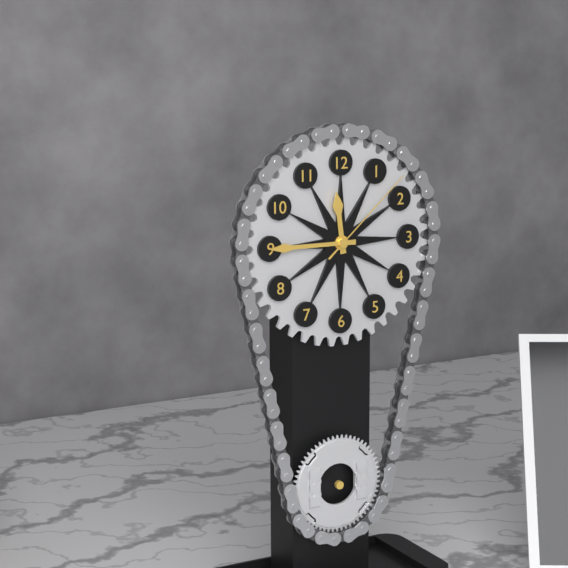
11:45:08
